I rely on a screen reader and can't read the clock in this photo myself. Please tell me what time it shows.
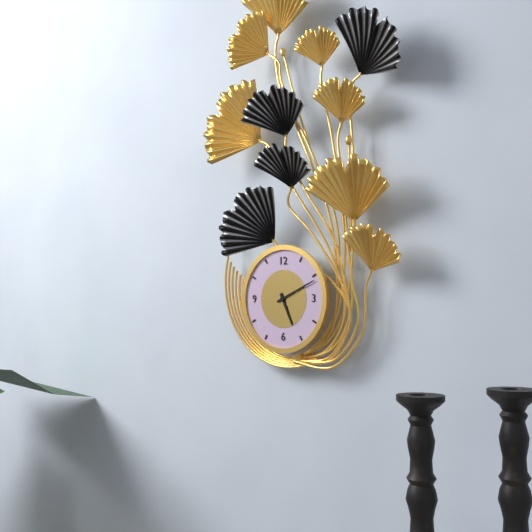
5:11
